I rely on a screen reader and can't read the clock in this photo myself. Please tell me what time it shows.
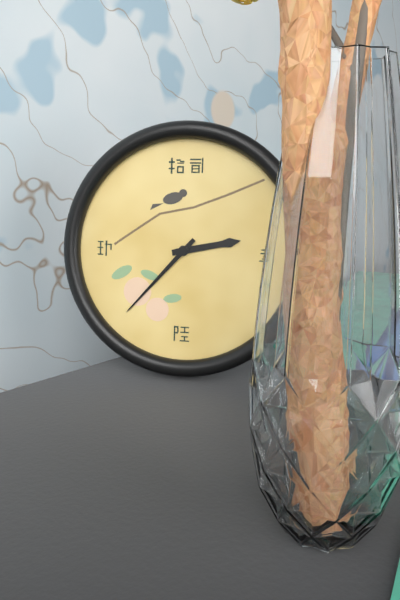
2:37
